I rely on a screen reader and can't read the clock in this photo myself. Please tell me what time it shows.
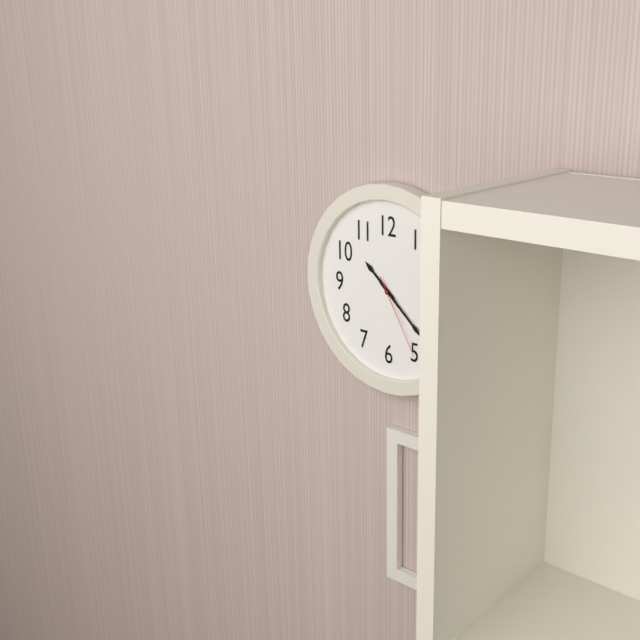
10:22:25
